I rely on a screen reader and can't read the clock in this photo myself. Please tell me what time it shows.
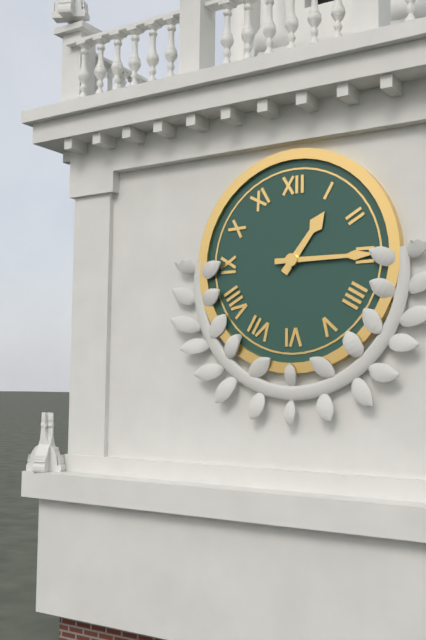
1:15
